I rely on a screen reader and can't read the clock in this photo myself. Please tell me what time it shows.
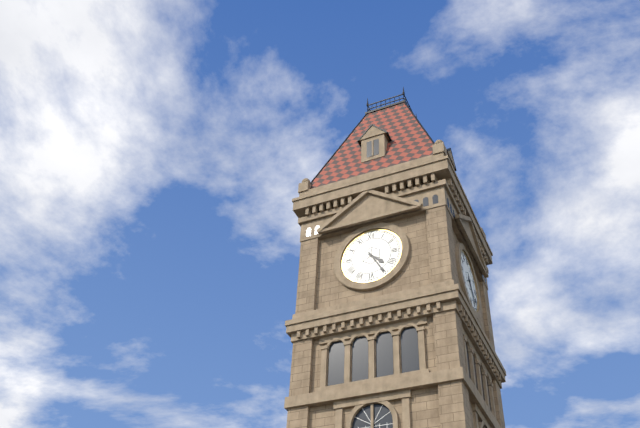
4:25
